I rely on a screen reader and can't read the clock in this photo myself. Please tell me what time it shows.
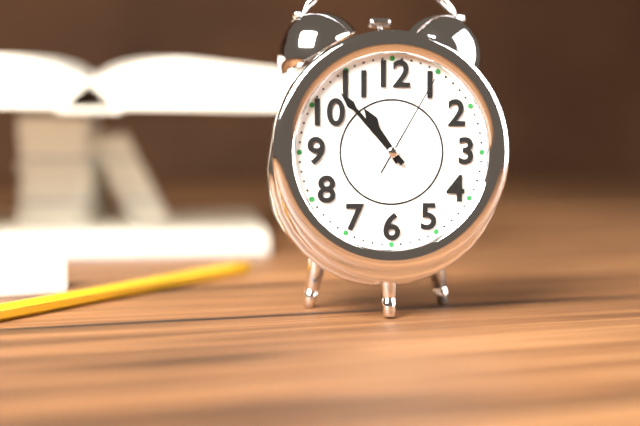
10:53:05
